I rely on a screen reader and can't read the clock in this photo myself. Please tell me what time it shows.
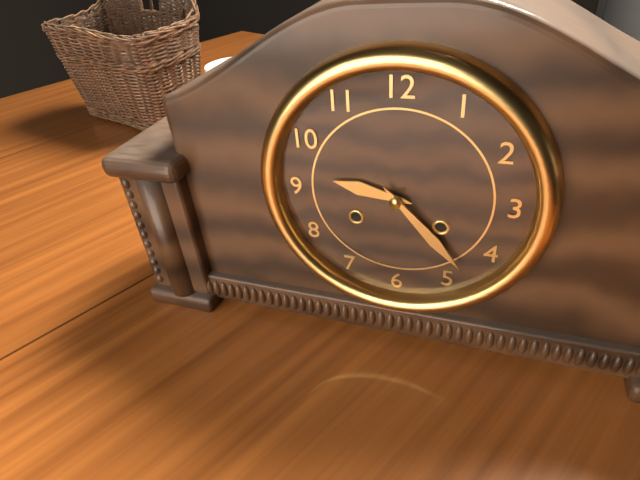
9:23
